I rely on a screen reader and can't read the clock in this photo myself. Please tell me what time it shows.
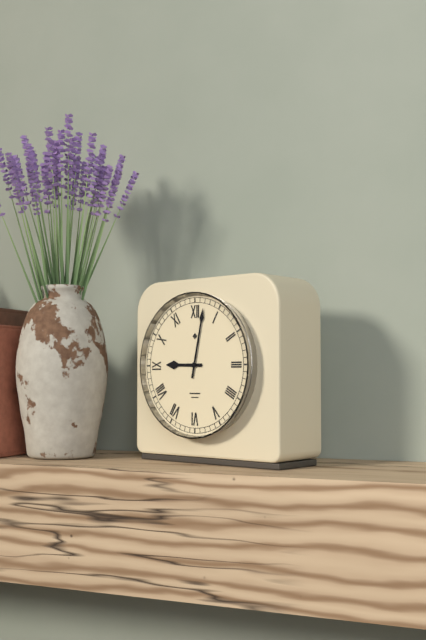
9:02
